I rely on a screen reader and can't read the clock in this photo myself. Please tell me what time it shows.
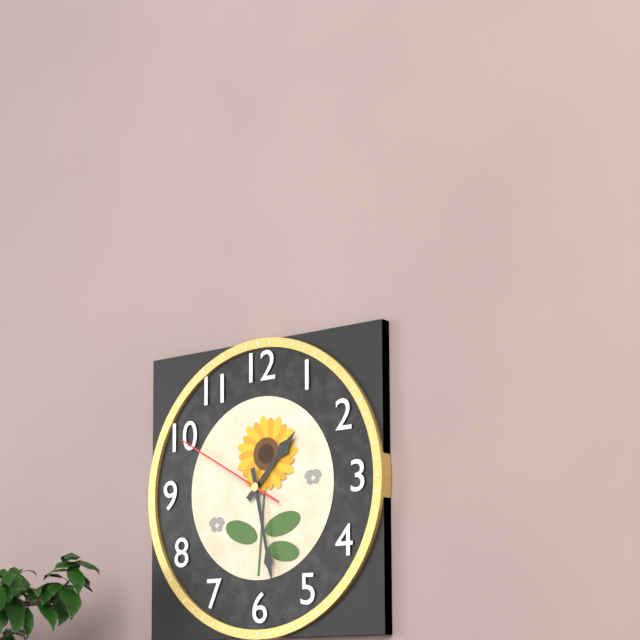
1:28:50
